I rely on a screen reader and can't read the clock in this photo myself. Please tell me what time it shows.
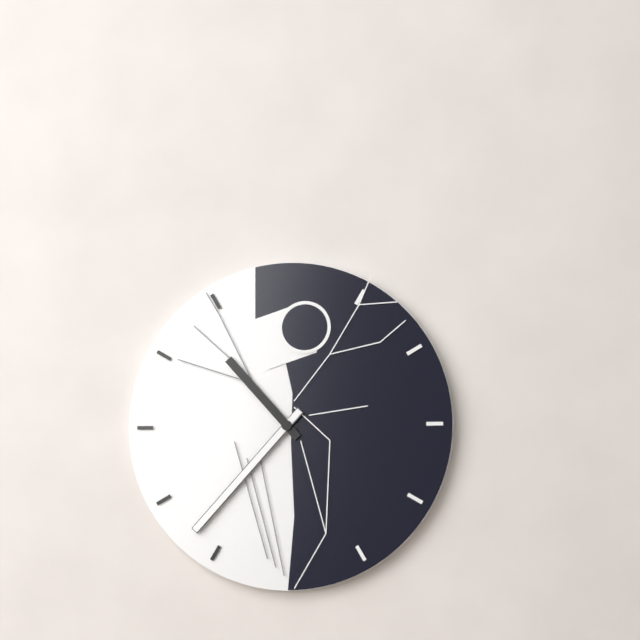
10:37
